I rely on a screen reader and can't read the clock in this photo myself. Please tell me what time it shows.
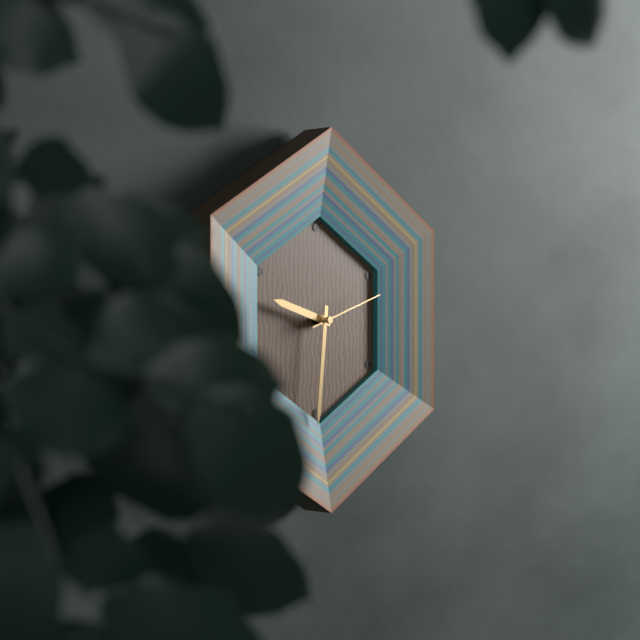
9:31:12
